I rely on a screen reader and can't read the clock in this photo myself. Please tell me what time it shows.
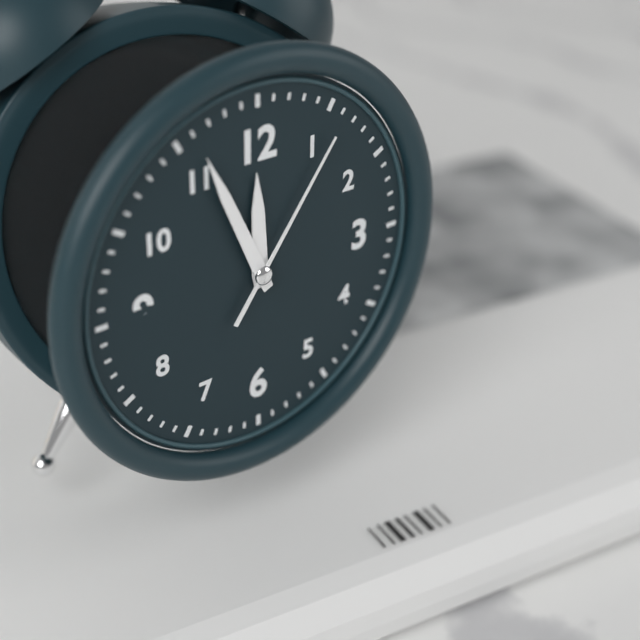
11:56:06
